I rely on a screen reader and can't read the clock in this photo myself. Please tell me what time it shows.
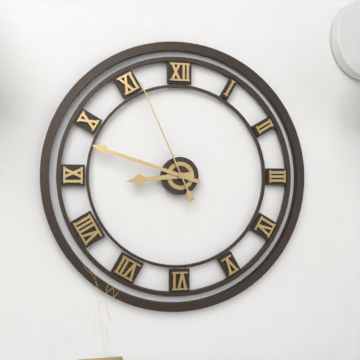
8:48:56
